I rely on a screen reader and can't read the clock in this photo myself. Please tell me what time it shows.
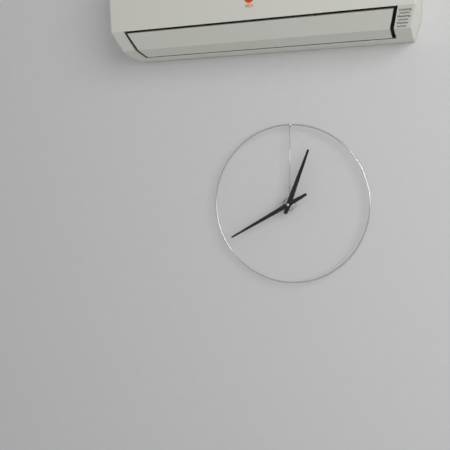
12:40
